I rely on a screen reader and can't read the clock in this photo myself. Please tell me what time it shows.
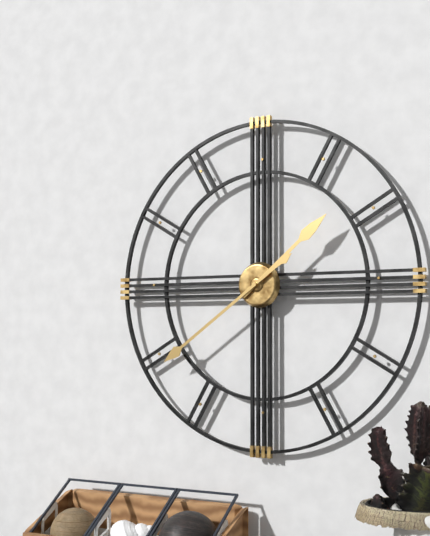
1:39
